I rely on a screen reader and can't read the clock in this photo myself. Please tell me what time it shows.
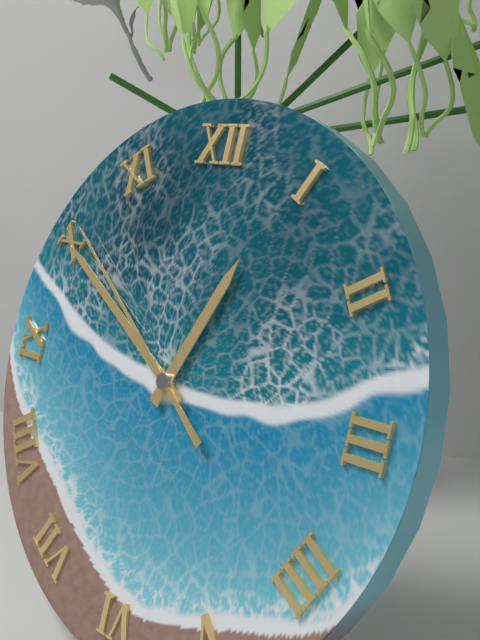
12:50:51
